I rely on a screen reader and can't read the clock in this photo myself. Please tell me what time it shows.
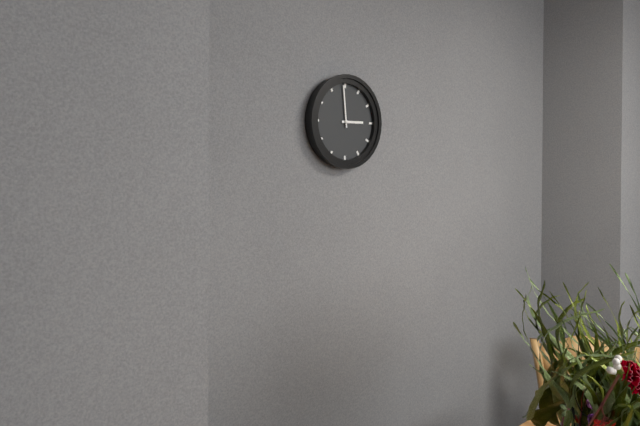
2:59
